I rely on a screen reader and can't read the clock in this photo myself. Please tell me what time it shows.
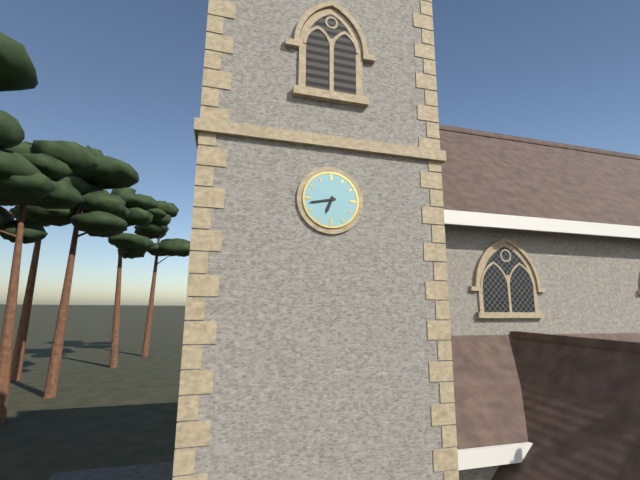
6:43
